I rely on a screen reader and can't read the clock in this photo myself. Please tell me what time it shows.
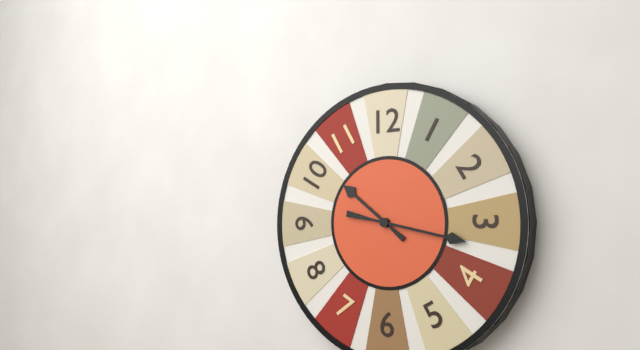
10:17
